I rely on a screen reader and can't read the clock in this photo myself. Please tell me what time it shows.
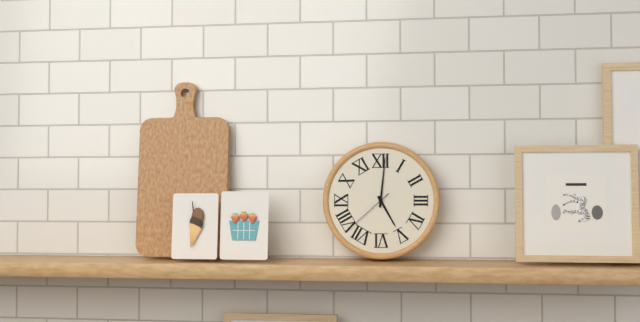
5:01:38
